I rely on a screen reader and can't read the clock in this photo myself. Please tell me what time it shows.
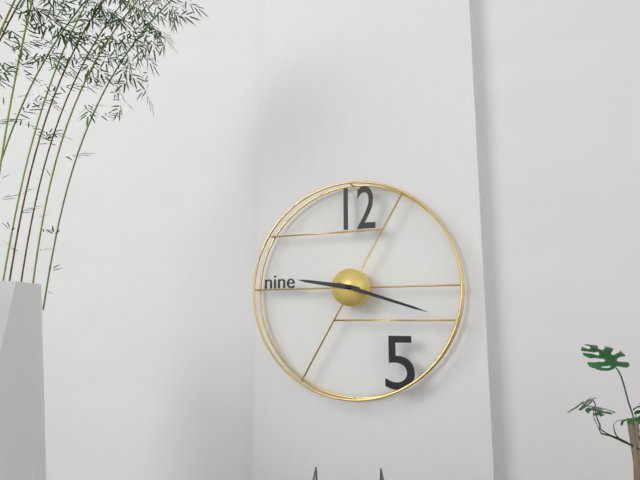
9:18
